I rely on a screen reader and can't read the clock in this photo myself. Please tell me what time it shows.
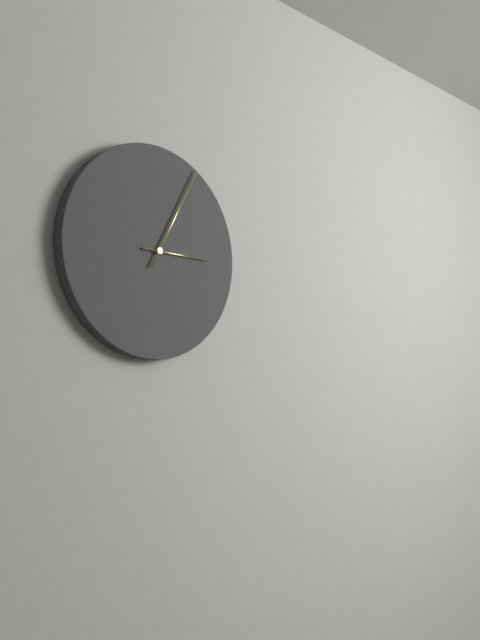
3:05
